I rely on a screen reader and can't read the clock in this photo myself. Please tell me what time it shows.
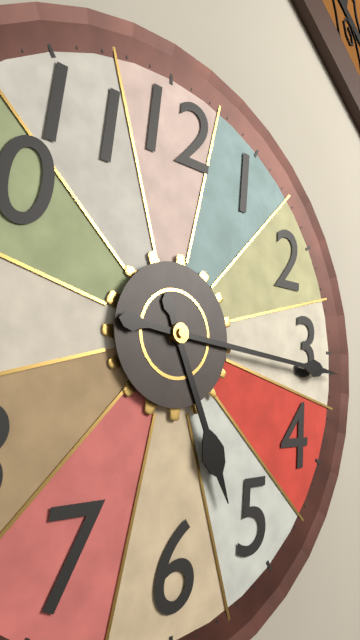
5:16
